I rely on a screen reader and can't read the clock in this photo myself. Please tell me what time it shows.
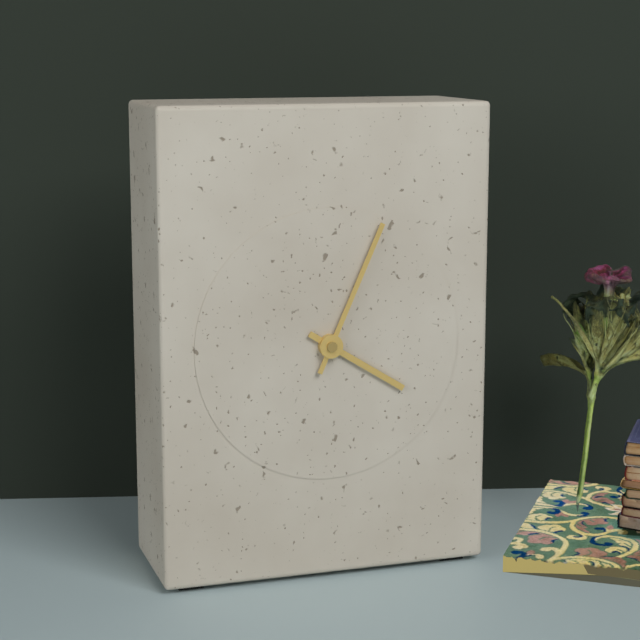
4:04
